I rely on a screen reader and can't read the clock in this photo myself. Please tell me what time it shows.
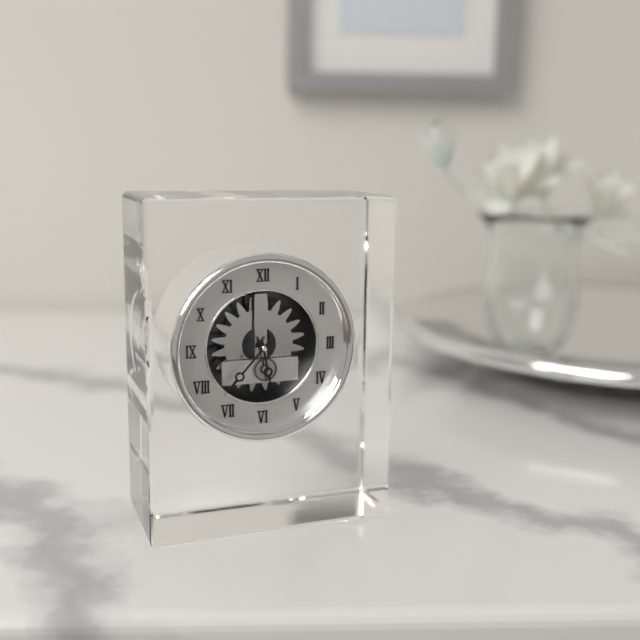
5:37
